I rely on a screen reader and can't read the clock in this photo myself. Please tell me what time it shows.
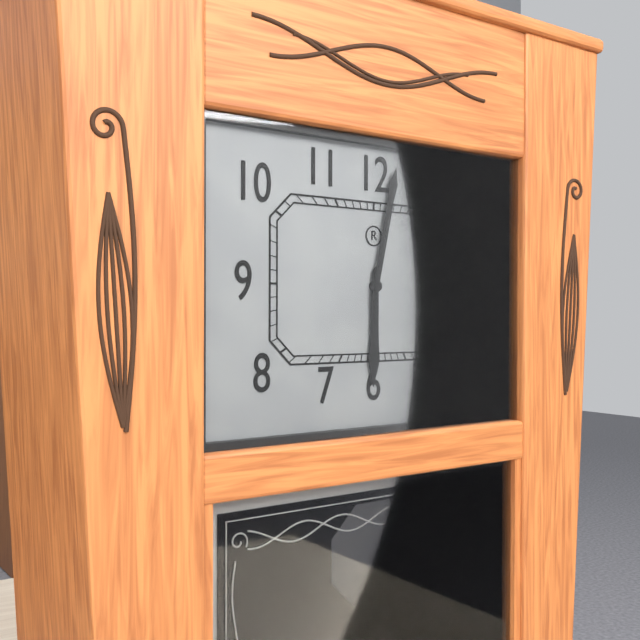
6:02
